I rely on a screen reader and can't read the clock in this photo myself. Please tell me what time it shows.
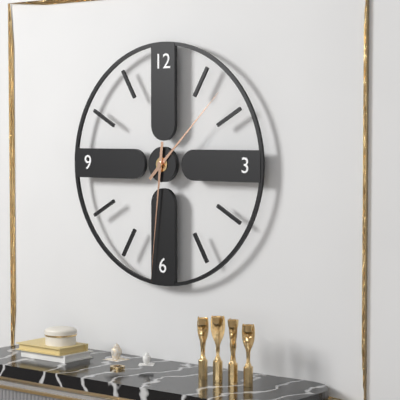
1:31
